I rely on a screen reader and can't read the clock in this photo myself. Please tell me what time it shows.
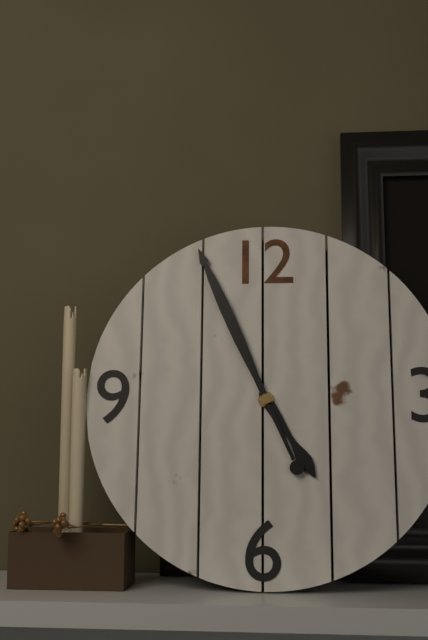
4:56
